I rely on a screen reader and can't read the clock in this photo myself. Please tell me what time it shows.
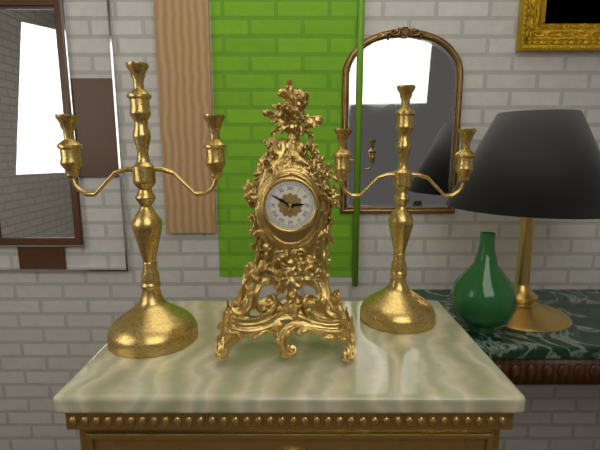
2:50
